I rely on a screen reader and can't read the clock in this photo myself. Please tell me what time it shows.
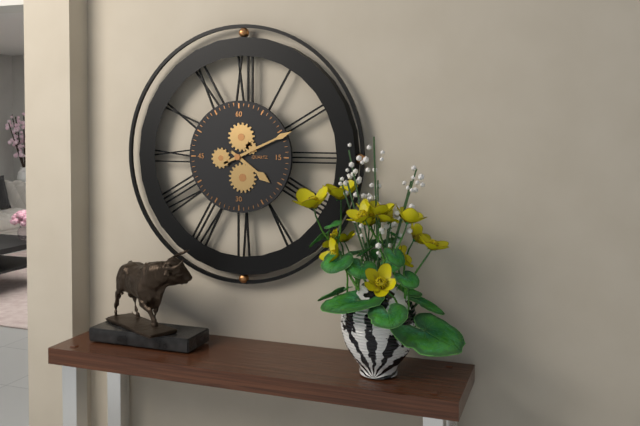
4:11
